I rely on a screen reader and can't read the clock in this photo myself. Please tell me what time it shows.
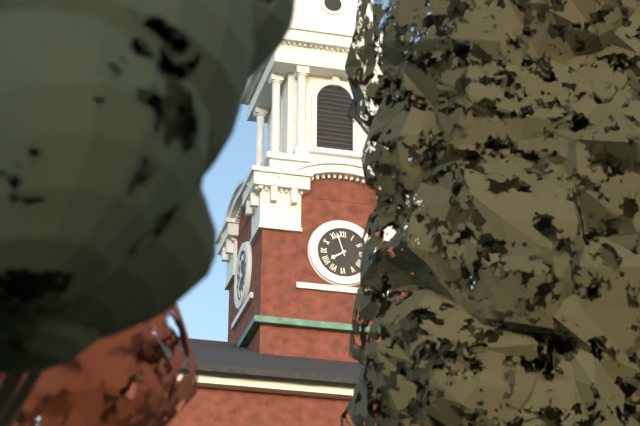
7:57
